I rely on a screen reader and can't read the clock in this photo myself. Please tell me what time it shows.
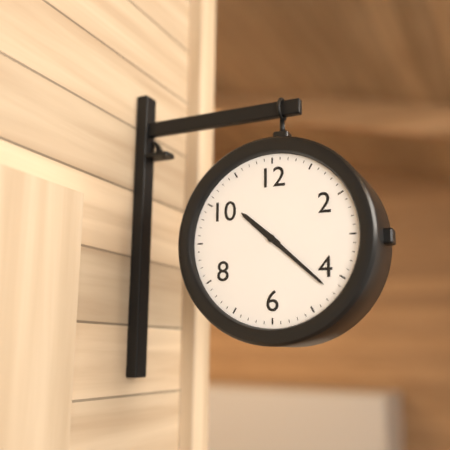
10:22
